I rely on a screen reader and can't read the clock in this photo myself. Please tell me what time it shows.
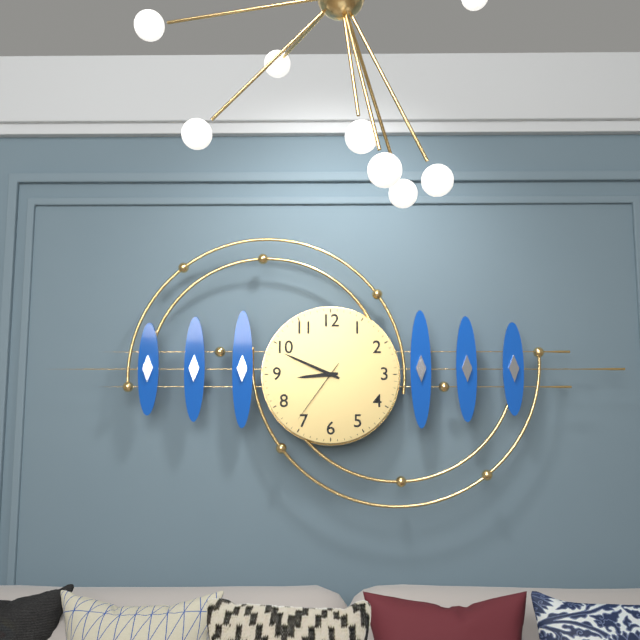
8:49:36
